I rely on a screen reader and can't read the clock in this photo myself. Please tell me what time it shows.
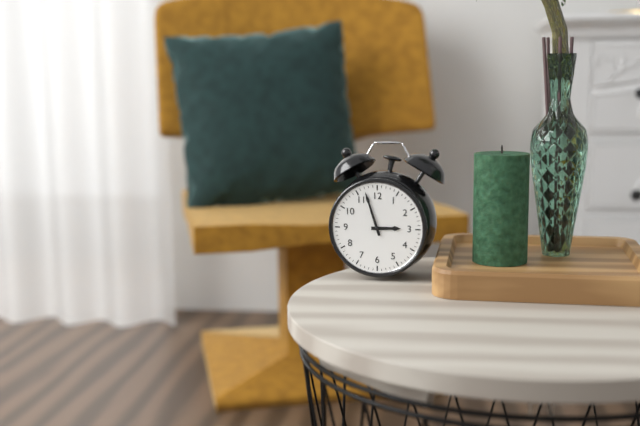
2:57
